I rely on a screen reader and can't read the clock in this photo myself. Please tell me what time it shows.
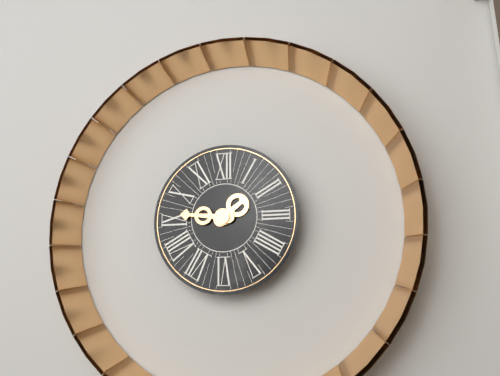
1:46
